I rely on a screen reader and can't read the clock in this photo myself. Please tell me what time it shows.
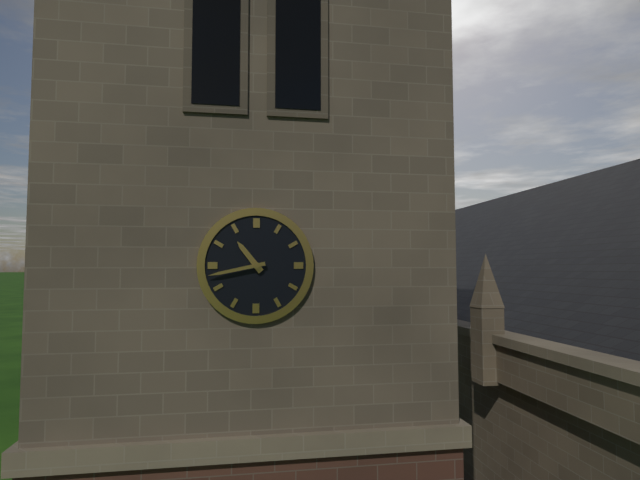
10:43
